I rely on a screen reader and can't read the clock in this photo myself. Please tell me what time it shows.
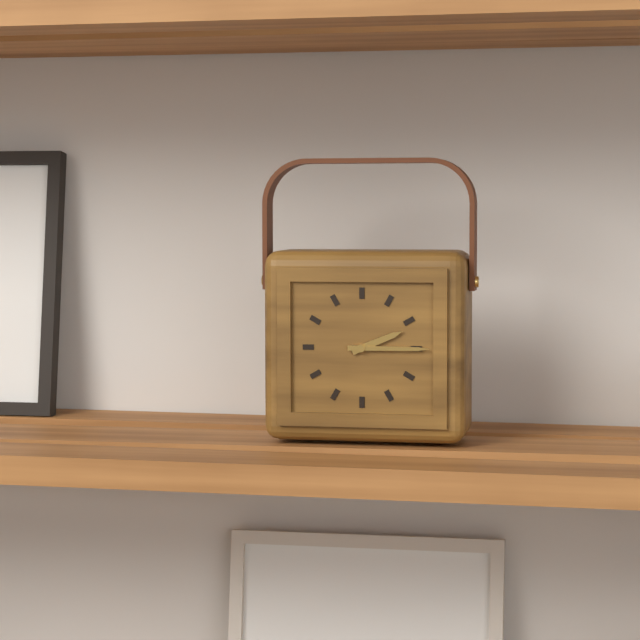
2:15
